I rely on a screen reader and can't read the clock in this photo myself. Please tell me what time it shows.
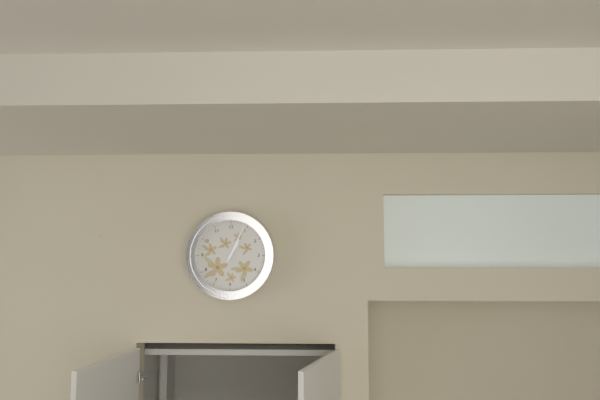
1:04
